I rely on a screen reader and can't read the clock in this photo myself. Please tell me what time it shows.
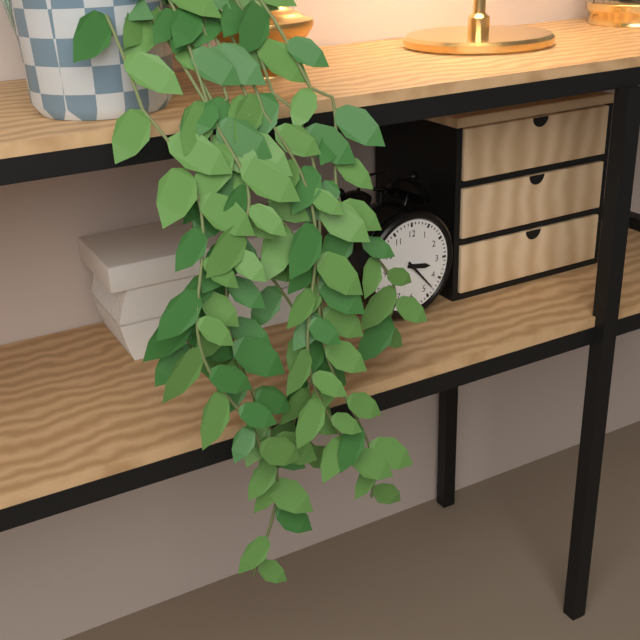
3:23
